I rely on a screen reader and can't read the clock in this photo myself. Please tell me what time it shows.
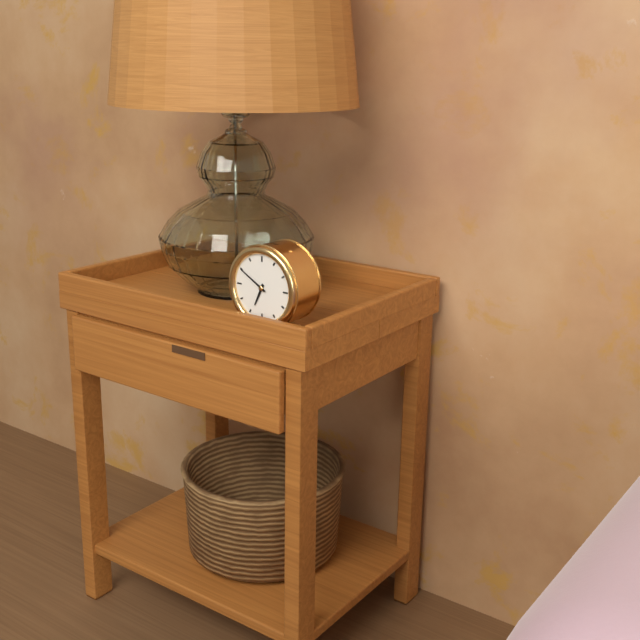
6:50
